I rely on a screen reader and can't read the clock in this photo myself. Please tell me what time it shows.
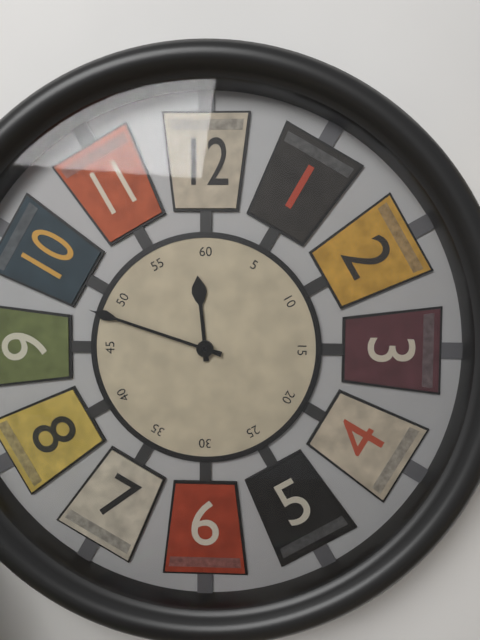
11:48
